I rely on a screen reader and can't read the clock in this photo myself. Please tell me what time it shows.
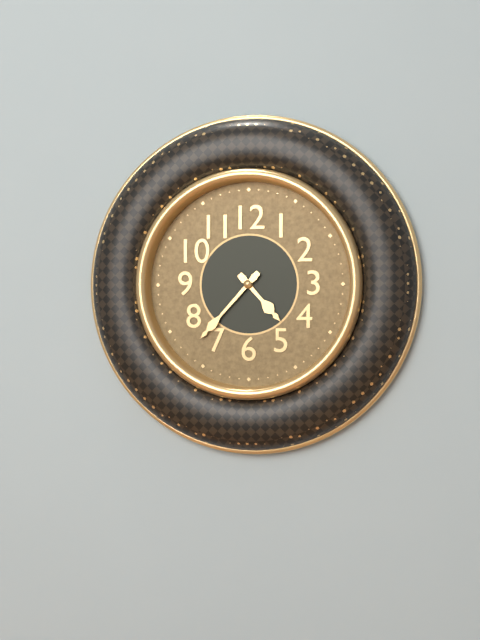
4:37
